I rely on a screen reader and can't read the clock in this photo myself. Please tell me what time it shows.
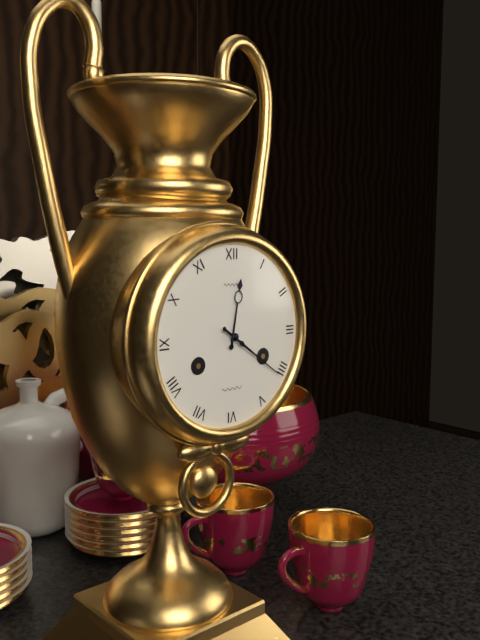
12:21
